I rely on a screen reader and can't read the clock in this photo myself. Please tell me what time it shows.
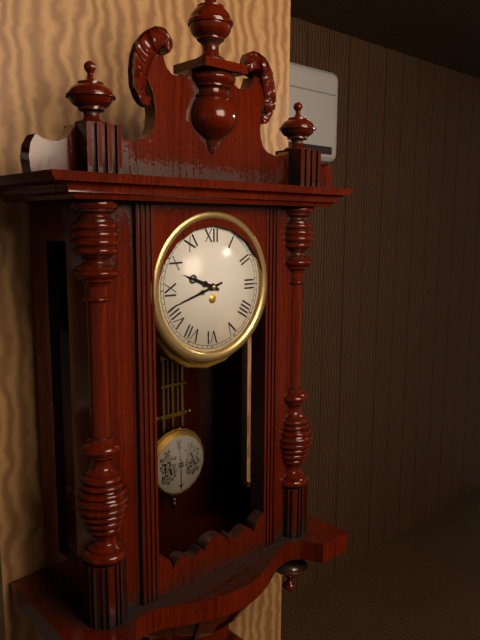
9:42
